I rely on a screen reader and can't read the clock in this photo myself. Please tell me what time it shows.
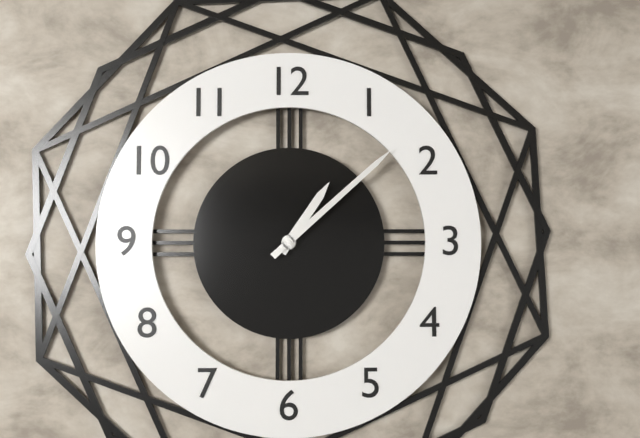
1:08
